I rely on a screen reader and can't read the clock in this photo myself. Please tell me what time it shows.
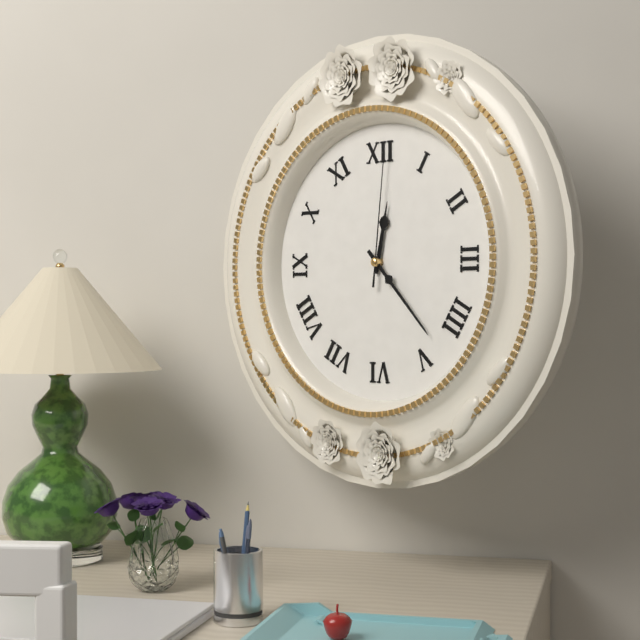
12:23:01
